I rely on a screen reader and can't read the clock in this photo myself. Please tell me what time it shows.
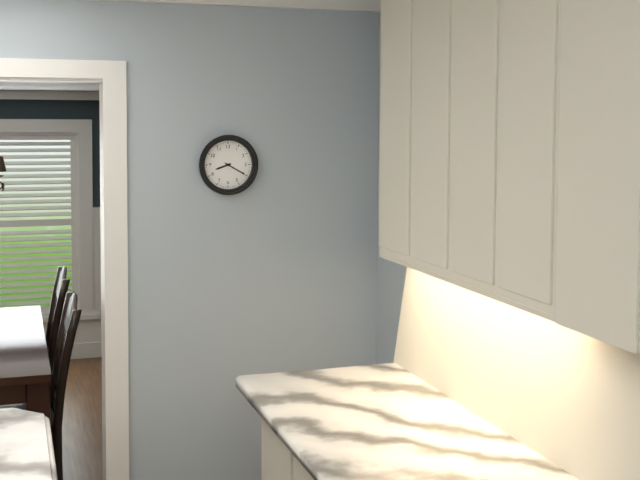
8:20
